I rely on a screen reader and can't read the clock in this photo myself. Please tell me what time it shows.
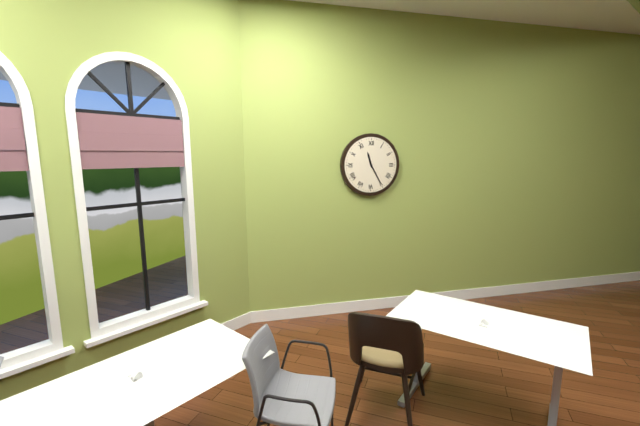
11:25
